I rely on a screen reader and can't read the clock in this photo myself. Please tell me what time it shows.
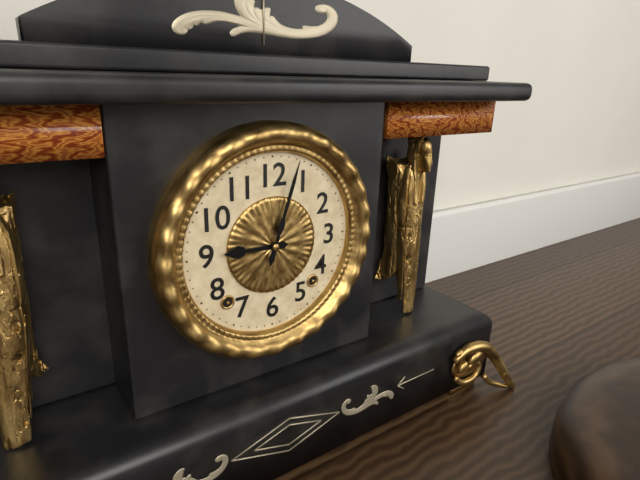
9:03
